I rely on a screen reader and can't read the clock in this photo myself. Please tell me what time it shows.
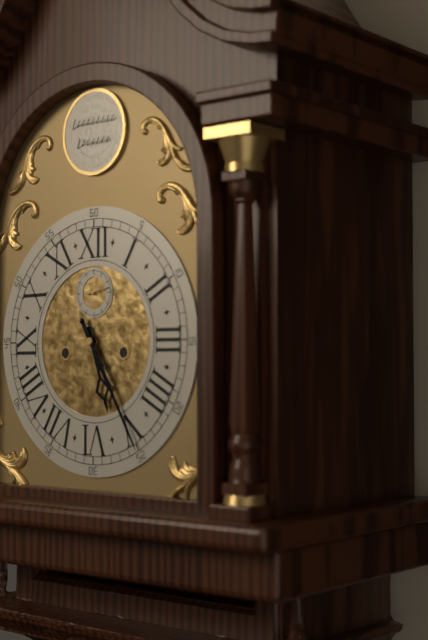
5:25:13
